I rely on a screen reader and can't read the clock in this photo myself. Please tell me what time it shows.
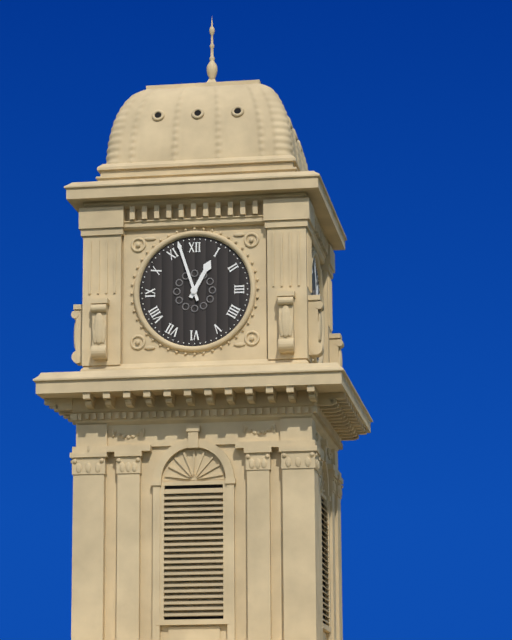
12:57
